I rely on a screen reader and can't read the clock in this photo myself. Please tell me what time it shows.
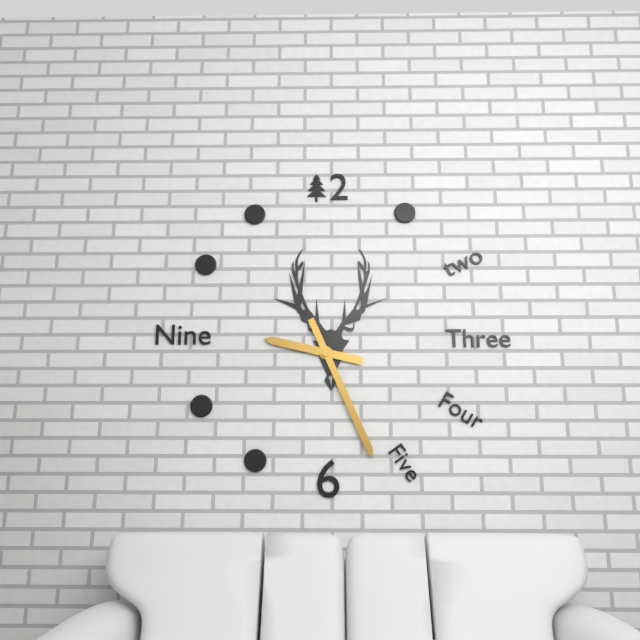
9:26
